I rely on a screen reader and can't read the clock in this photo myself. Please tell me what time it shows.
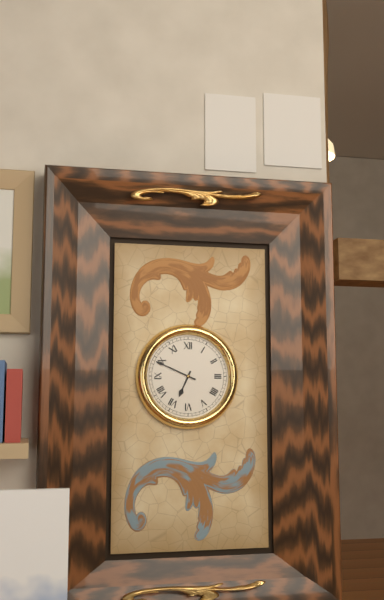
6:49
